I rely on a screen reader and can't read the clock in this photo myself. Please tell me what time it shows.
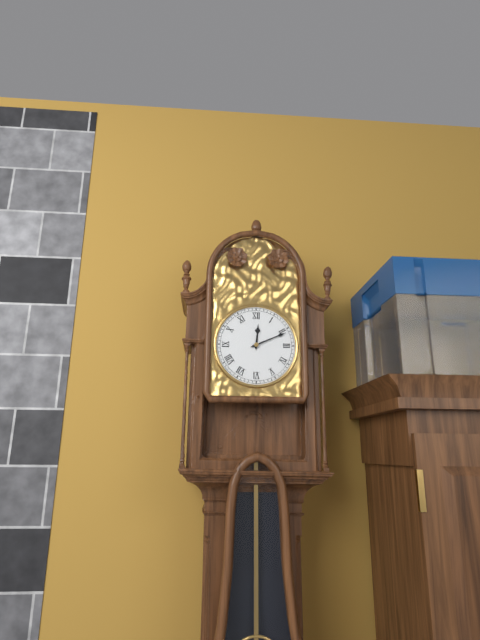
12:11
